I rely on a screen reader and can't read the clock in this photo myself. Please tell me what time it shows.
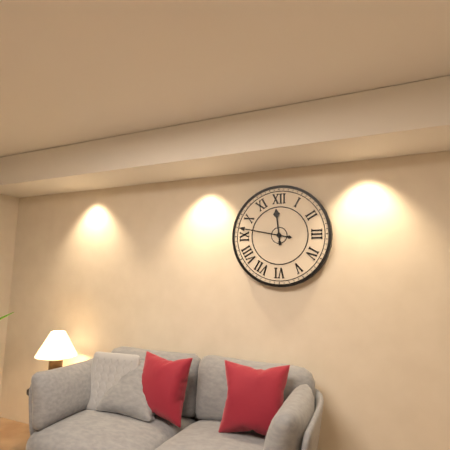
11:47
